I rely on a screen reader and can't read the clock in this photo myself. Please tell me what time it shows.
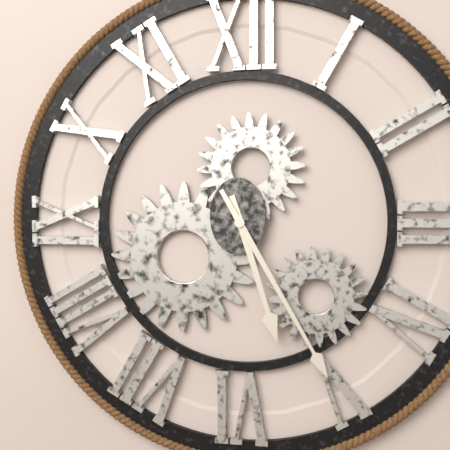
5:25
